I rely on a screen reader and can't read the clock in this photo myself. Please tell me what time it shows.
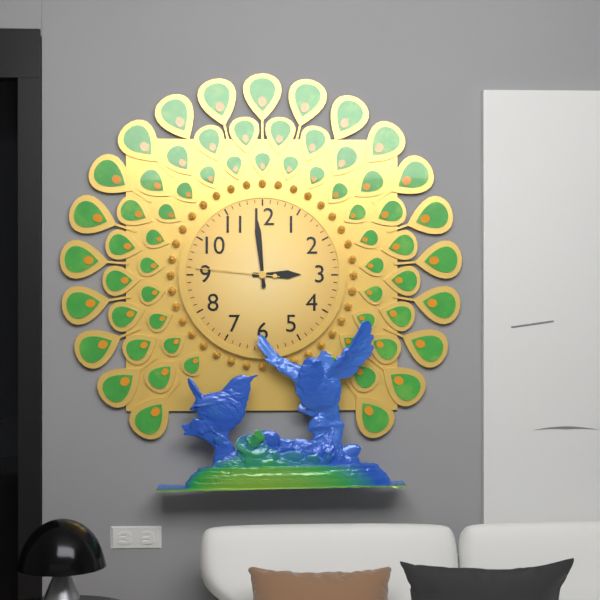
2:59:46
